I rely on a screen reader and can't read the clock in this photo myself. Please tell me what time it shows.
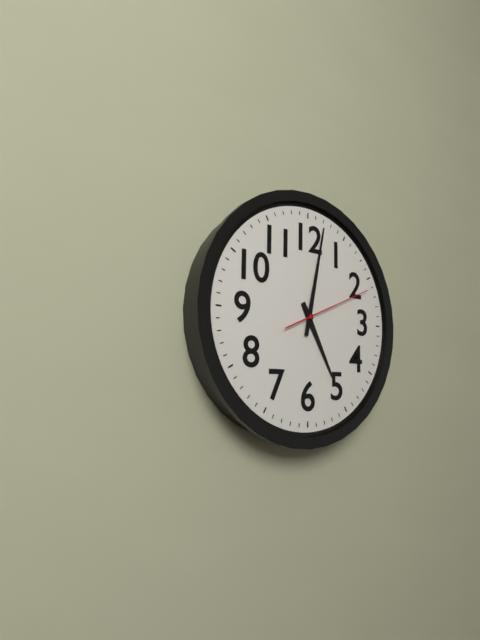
5:02:11
